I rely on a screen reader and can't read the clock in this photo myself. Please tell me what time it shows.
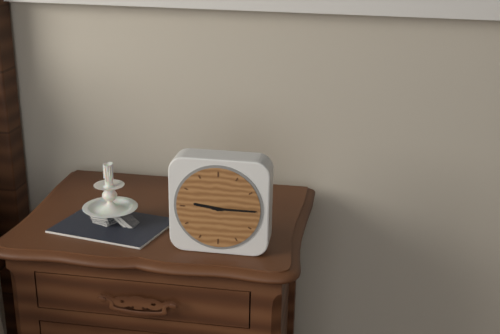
9:15
